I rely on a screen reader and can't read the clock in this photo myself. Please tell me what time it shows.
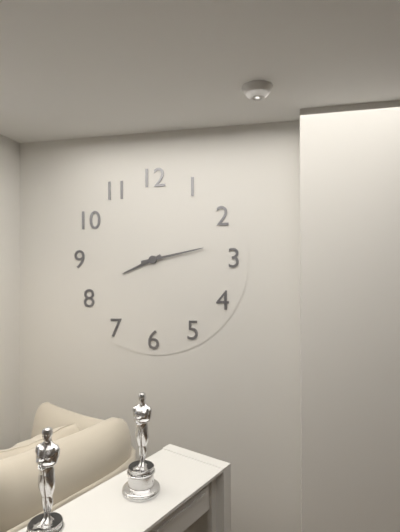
8:13
